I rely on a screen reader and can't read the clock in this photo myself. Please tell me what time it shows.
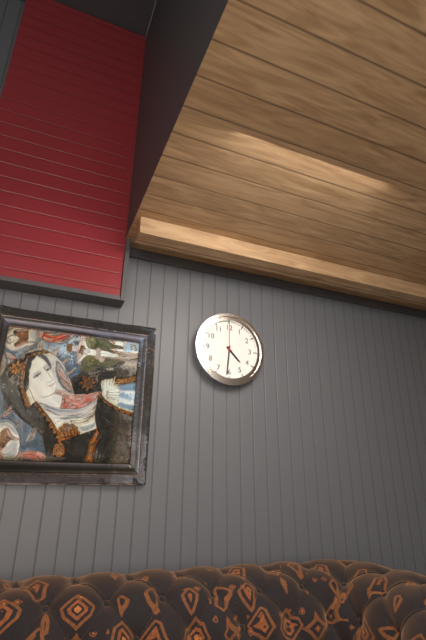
4:31
